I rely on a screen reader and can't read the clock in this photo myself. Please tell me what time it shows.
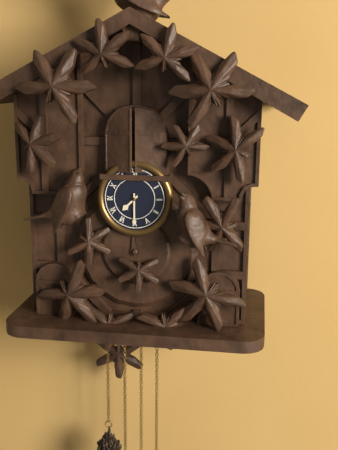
7:30
